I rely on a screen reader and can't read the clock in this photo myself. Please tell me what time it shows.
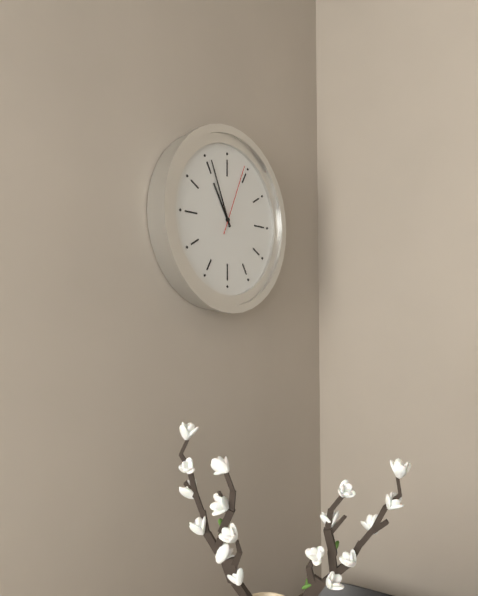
10:56:04
